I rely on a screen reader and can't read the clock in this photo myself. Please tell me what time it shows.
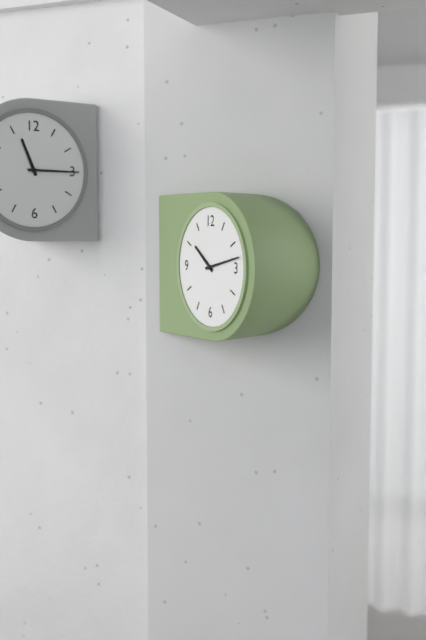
10:13
